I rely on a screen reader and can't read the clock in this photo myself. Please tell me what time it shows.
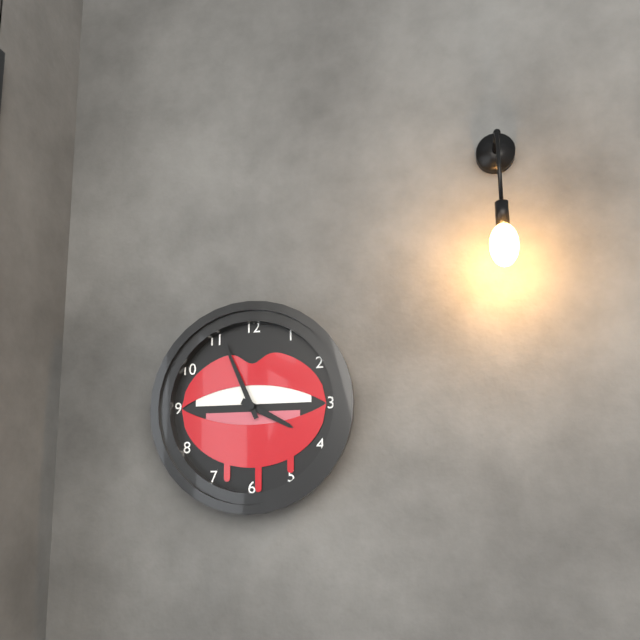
3:56
